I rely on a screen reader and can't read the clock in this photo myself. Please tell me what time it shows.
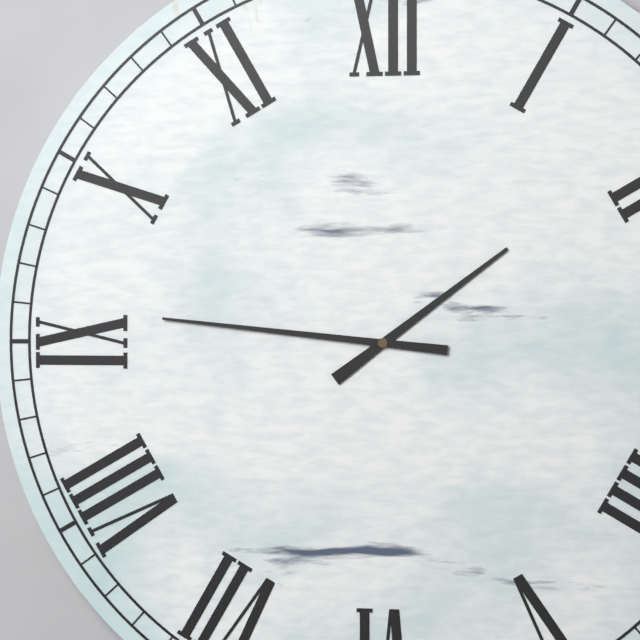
1:46
